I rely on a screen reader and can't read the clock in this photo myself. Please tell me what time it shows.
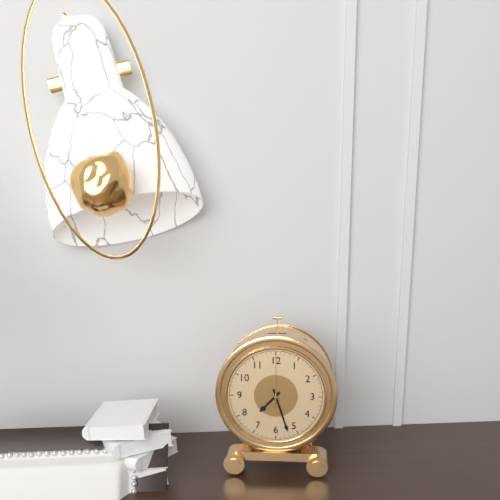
7:27:00
